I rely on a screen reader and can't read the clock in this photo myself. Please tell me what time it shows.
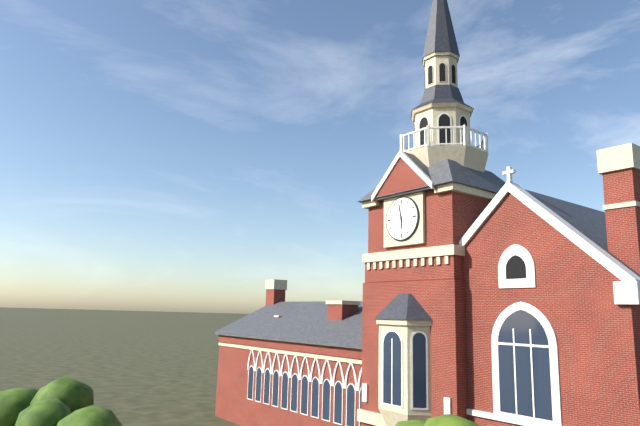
5:58
